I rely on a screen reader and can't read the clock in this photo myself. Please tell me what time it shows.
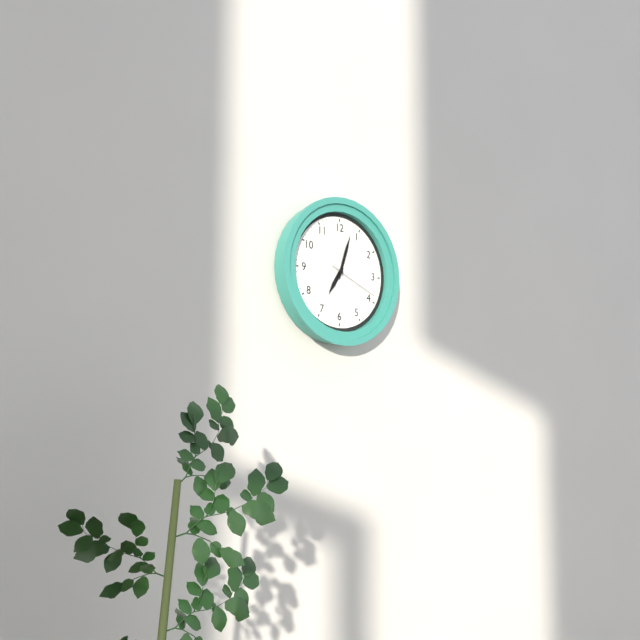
7:03:19
